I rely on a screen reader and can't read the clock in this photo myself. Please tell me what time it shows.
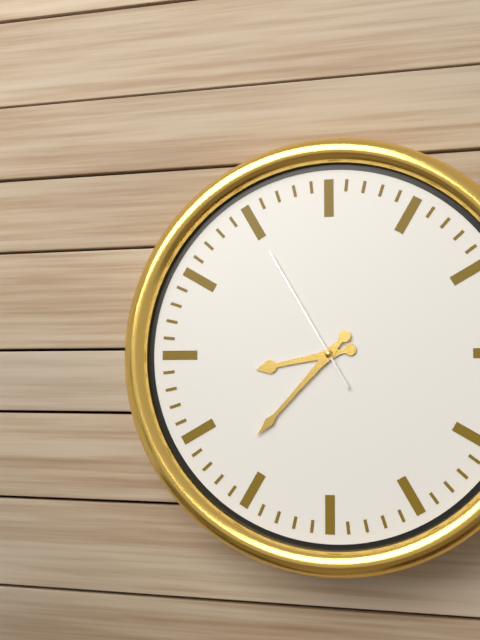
8:37:55
